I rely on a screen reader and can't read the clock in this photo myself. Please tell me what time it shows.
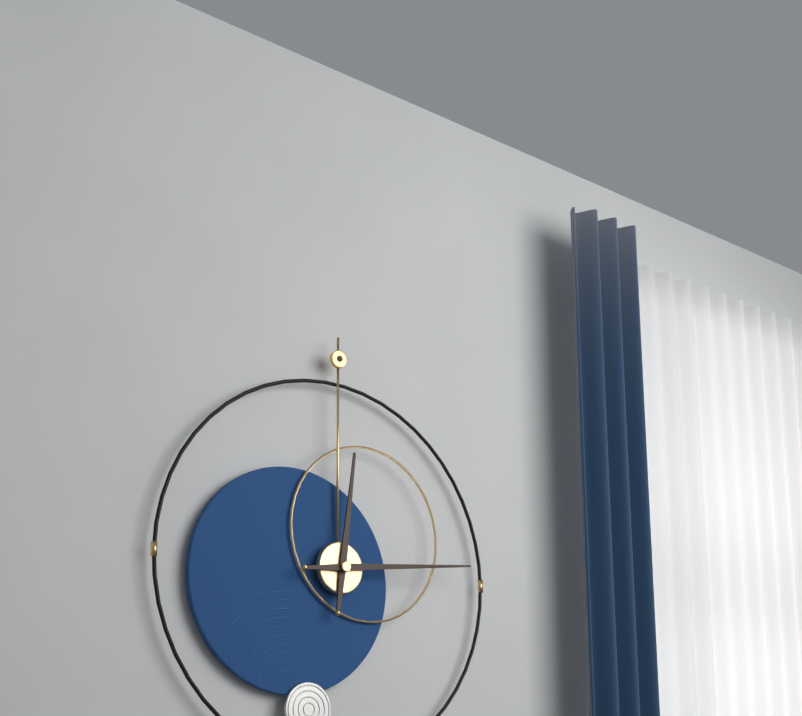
12:14
